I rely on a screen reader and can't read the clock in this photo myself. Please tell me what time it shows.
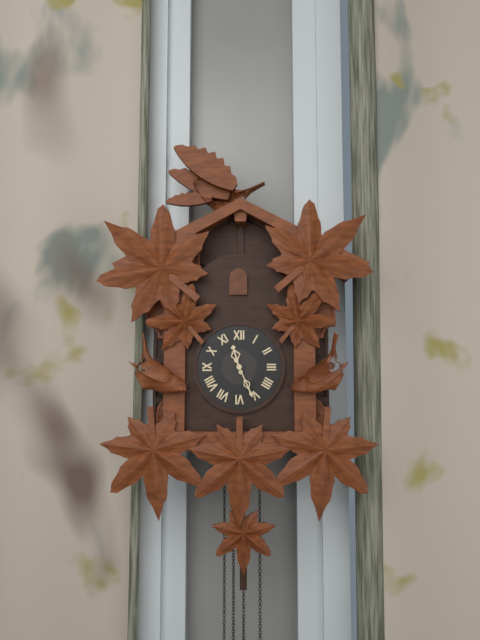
11:26
